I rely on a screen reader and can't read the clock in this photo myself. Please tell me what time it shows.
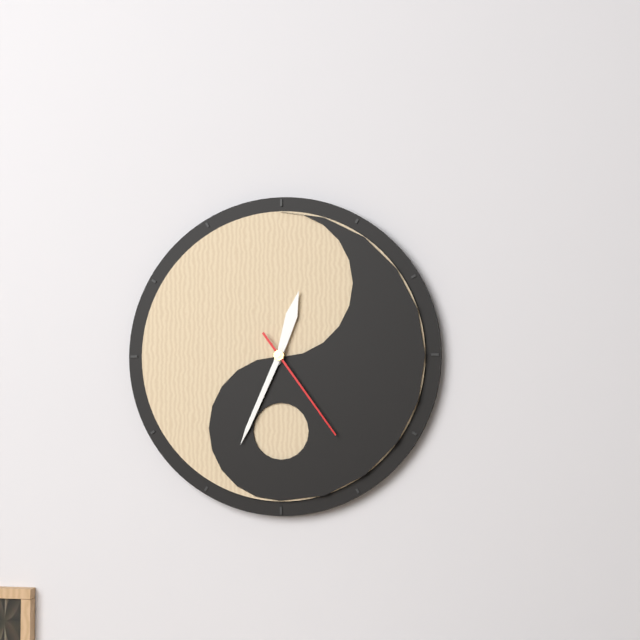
12:34:24
